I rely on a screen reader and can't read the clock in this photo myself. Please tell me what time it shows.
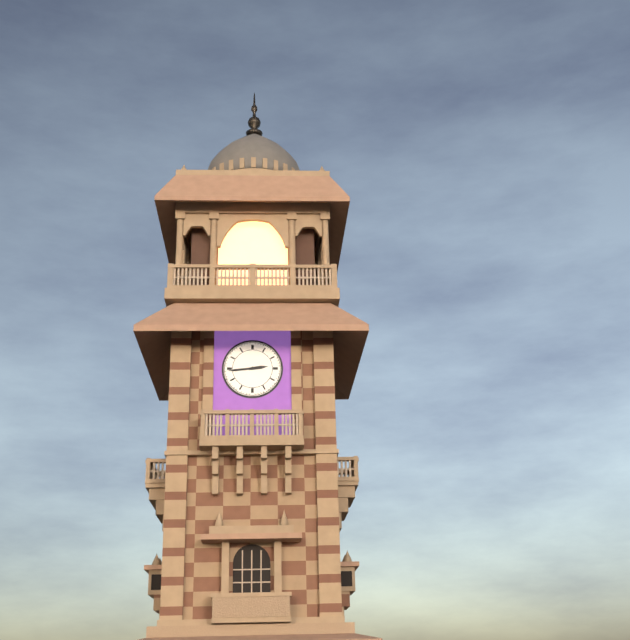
2:44
